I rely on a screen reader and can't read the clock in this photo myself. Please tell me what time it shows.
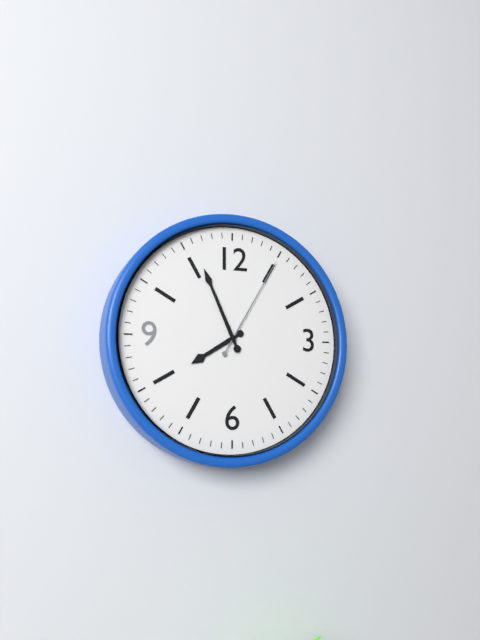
7:56:05
